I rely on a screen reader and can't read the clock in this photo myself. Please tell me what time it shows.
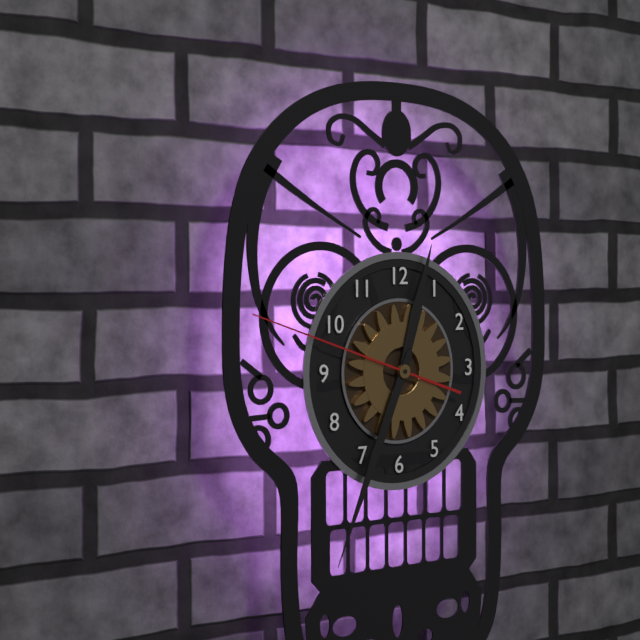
12:34:48
